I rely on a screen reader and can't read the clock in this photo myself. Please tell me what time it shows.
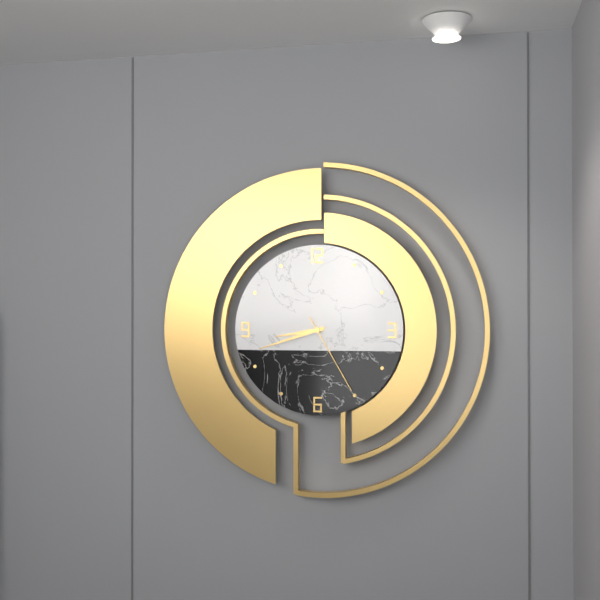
8:42:25
